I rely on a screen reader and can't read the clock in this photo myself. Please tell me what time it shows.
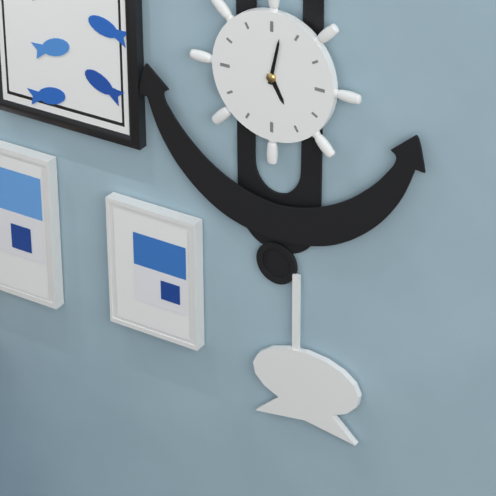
5:02
